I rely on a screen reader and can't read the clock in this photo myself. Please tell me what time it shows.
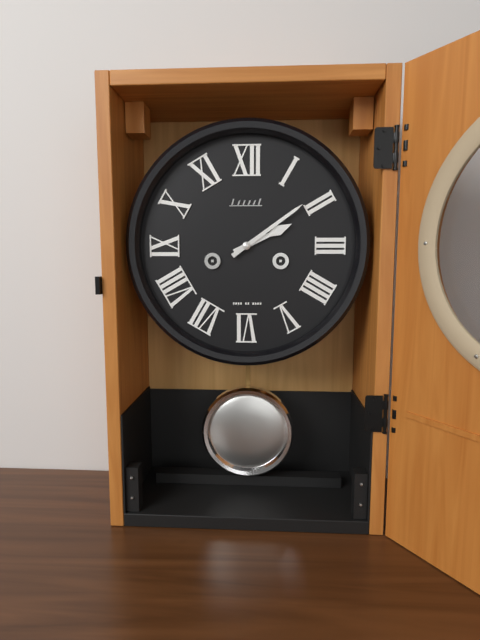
2:09
